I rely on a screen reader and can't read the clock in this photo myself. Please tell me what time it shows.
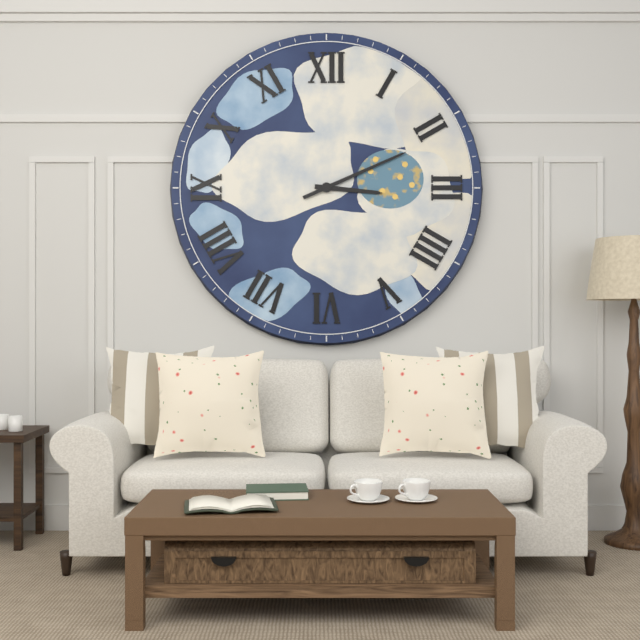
3:11
